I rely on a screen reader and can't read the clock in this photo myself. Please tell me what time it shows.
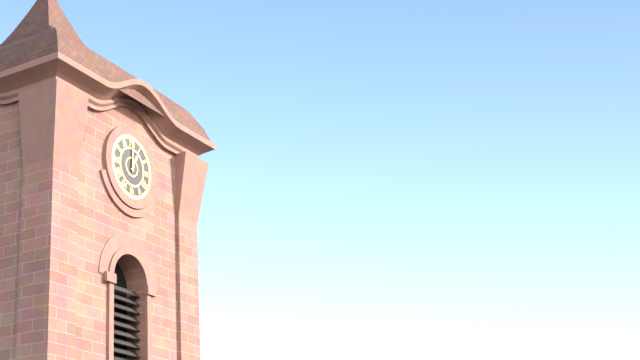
1:00
